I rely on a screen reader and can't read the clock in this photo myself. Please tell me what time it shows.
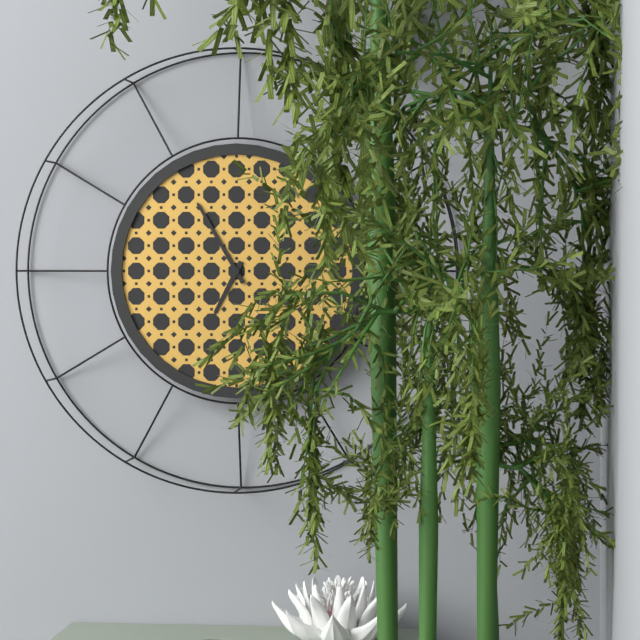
6:55
